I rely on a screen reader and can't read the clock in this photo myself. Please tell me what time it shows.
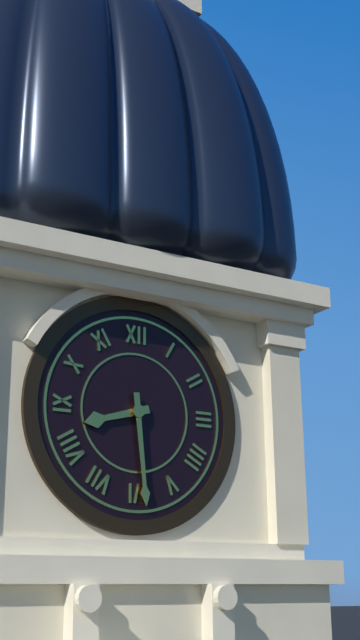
8:29
